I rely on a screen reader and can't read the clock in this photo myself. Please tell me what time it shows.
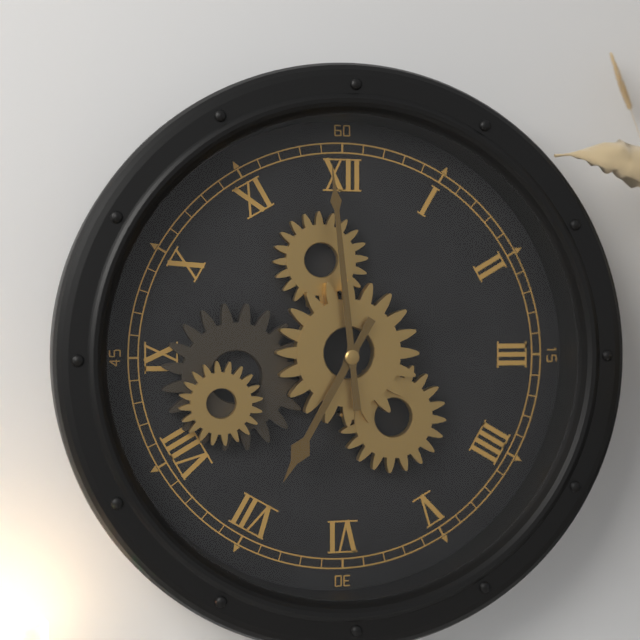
6:59
